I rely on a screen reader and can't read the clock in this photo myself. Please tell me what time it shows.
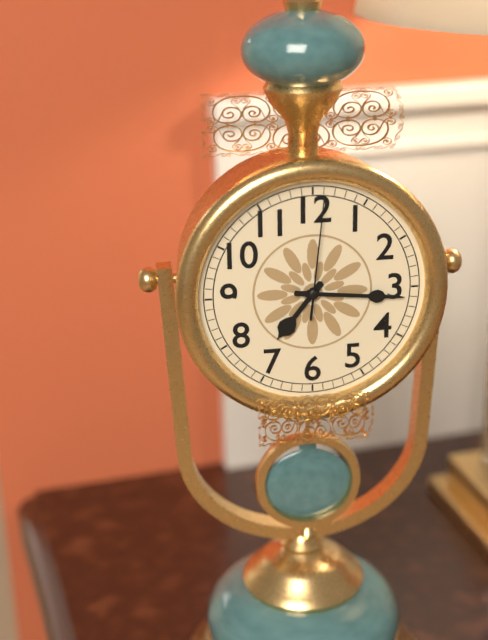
7:16:01
